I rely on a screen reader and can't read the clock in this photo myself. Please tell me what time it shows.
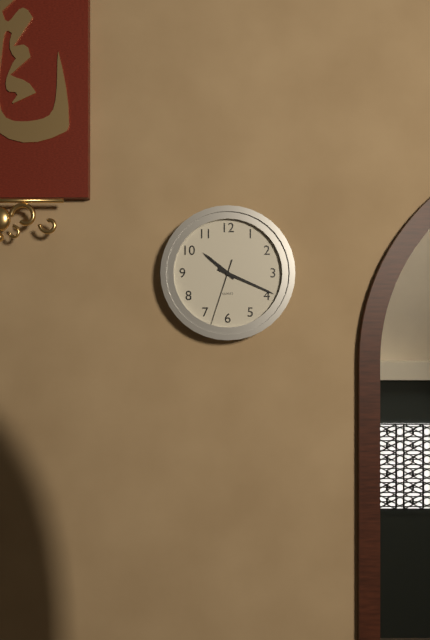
10:19:33
